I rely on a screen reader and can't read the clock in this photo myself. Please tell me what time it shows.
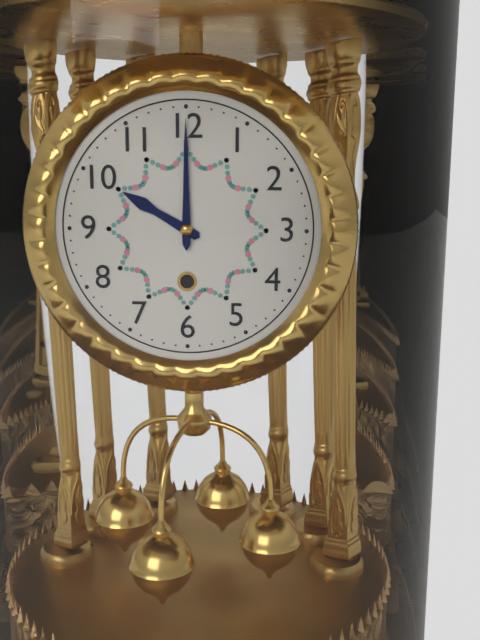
10:00
